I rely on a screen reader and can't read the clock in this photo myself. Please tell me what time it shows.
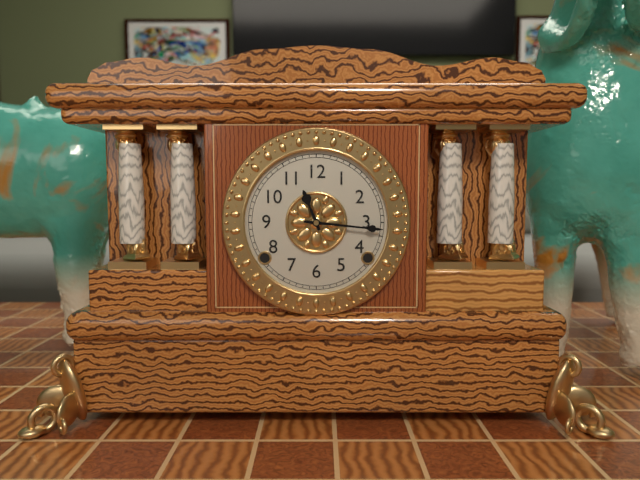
11:16
